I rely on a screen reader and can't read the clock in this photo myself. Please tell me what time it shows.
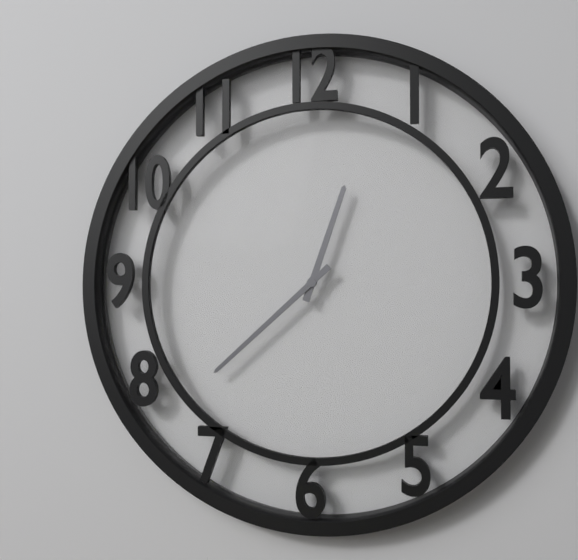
12:38
